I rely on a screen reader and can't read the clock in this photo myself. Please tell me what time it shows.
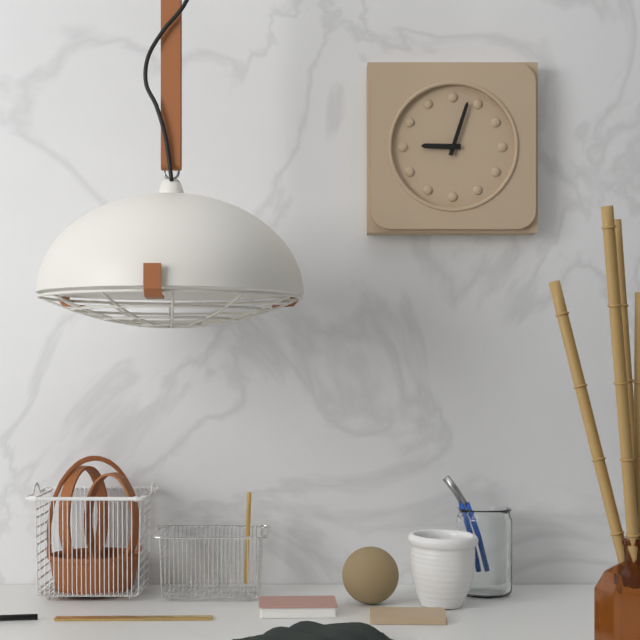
9:03
